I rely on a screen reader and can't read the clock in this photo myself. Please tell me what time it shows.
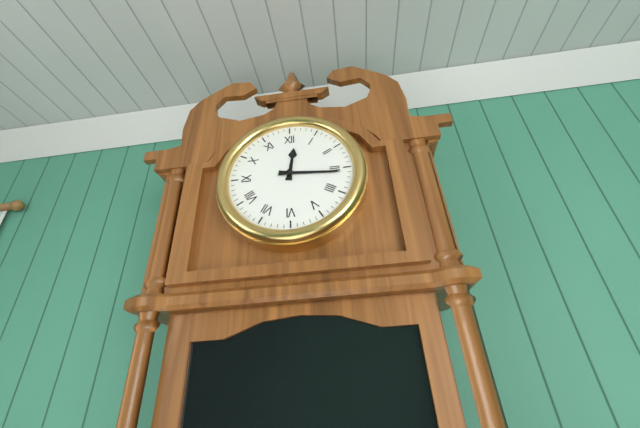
12:16
